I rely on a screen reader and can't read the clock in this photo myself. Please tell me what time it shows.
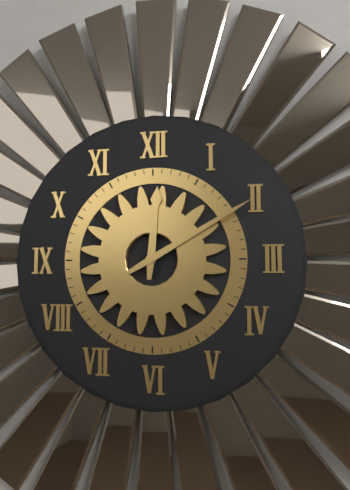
12:10
